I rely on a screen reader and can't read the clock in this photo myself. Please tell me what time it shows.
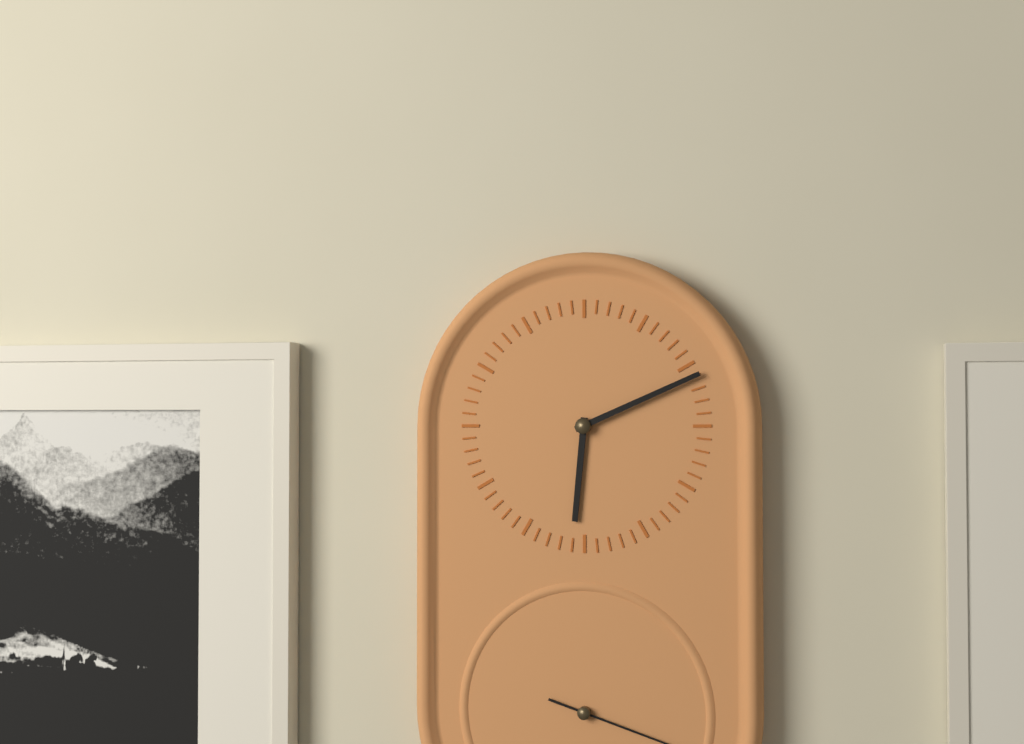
6:11
